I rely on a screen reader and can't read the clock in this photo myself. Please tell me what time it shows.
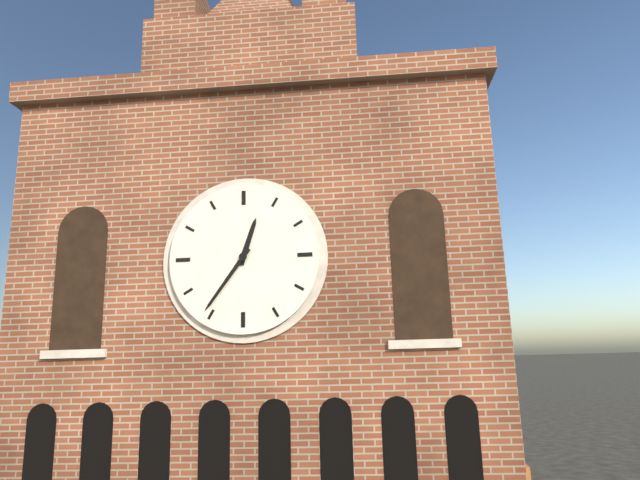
12:36
